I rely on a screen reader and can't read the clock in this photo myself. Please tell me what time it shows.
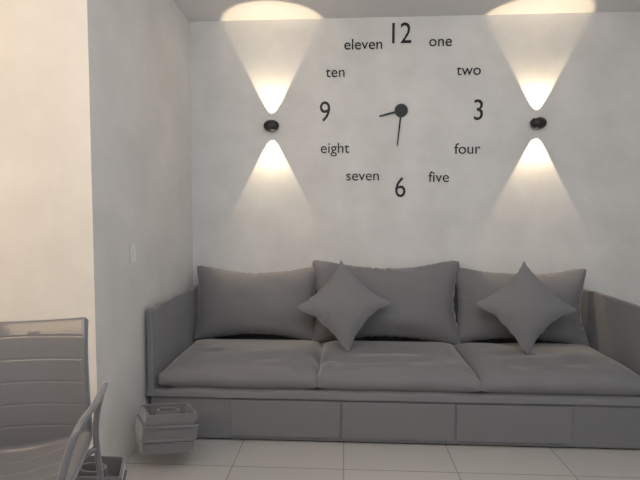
8:31
